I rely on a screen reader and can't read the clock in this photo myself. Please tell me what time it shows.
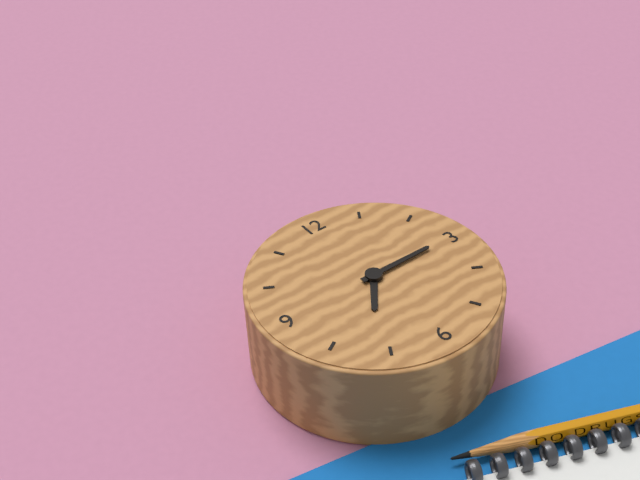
7:15
